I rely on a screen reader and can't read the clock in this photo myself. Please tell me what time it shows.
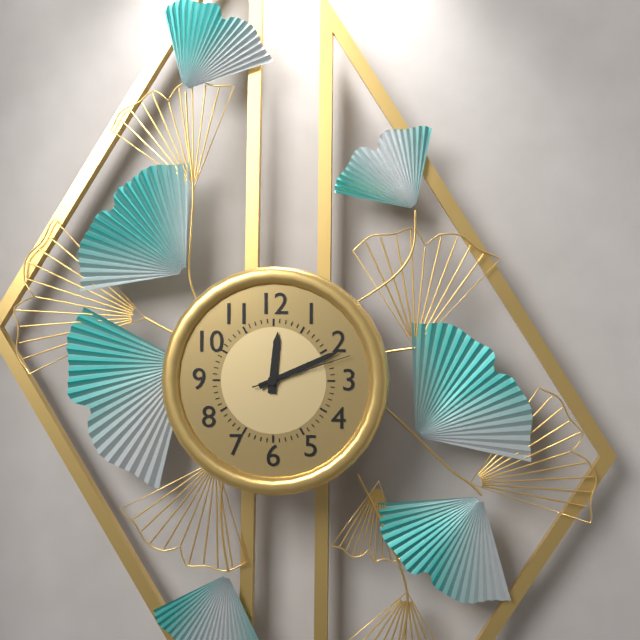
12:11:12
